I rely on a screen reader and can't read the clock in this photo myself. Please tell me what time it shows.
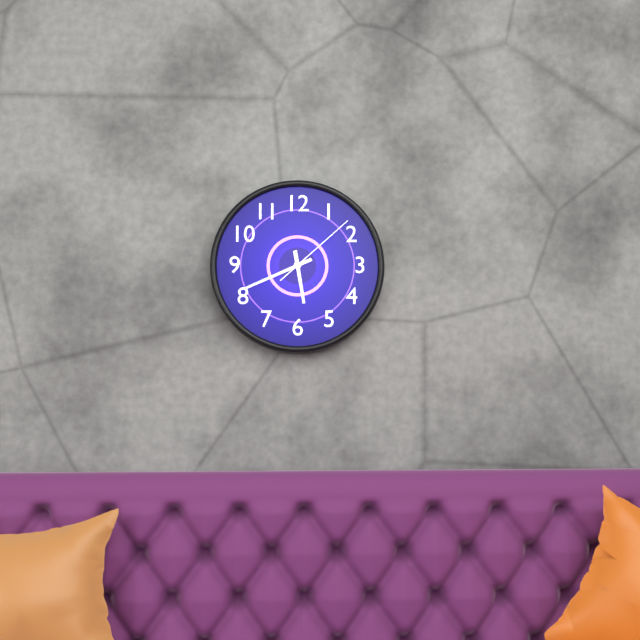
5:41:08
